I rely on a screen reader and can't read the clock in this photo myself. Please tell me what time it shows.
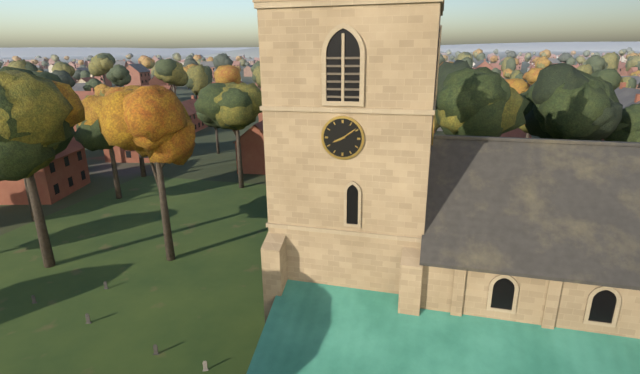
8:09
